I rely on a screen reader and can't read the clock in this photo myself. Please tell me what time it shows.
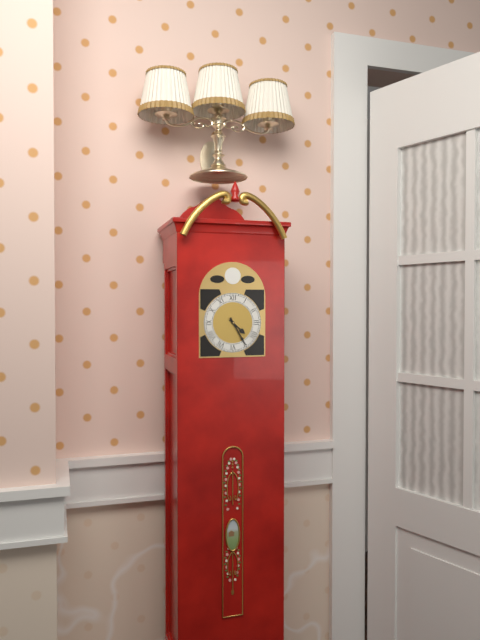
4:25
